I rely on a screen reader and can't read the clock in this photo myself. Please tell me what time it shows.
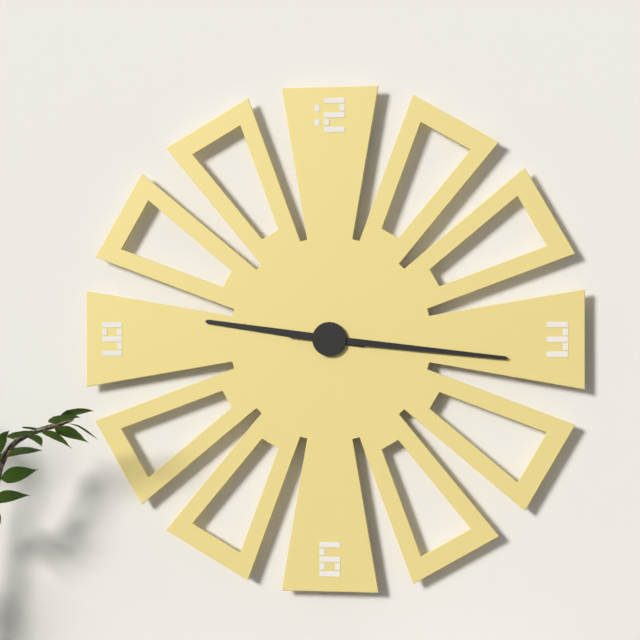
9:16
